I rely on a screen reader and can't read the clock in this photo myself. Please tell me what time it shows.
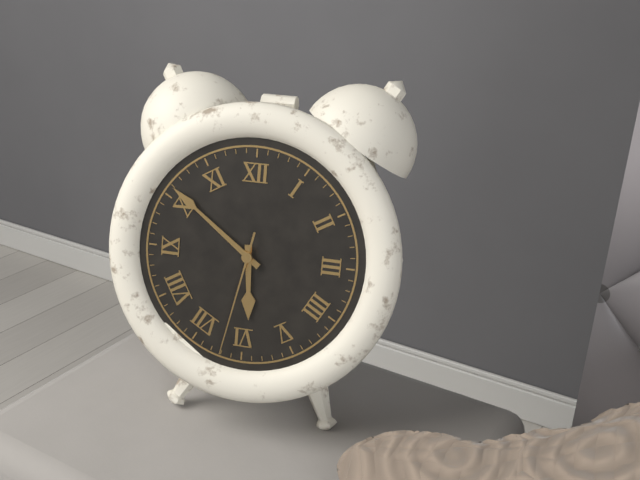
5:51:32
